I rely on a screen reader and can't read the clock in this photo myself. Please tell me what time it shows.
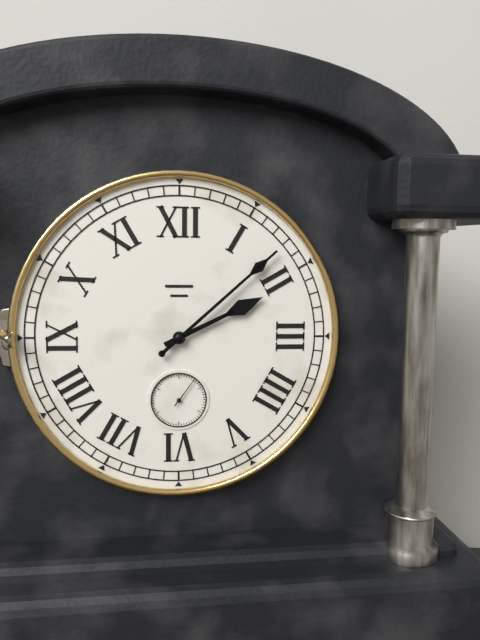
2:08
